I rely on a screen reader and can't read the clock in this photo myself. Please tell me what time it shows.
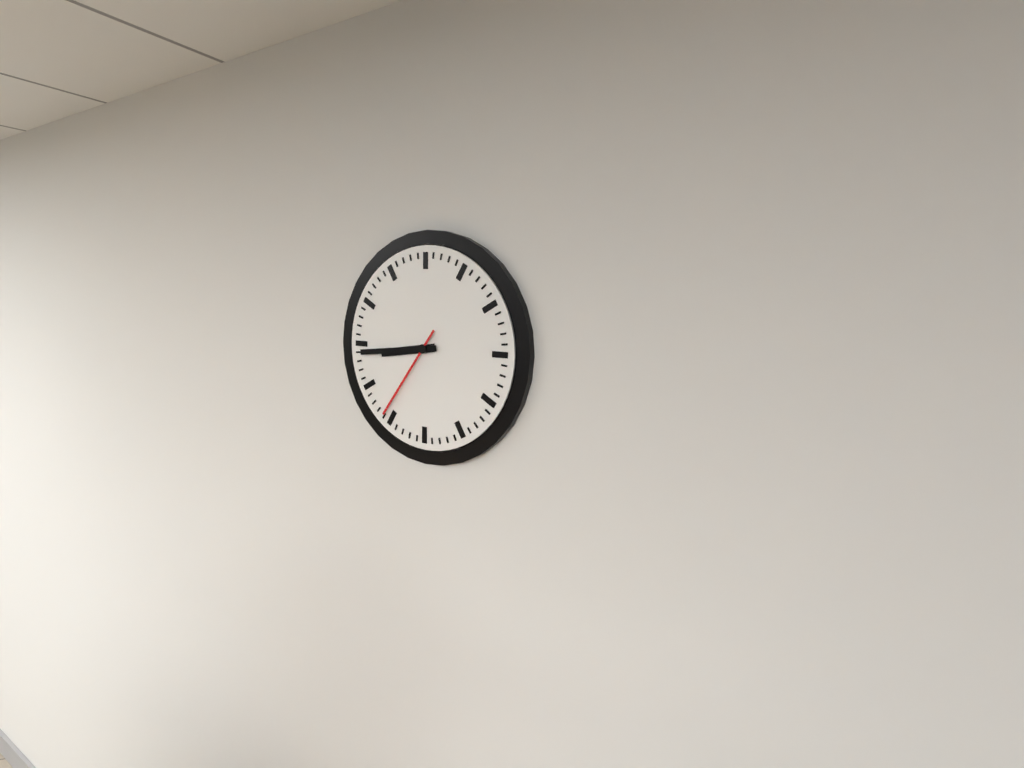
8:44:36
